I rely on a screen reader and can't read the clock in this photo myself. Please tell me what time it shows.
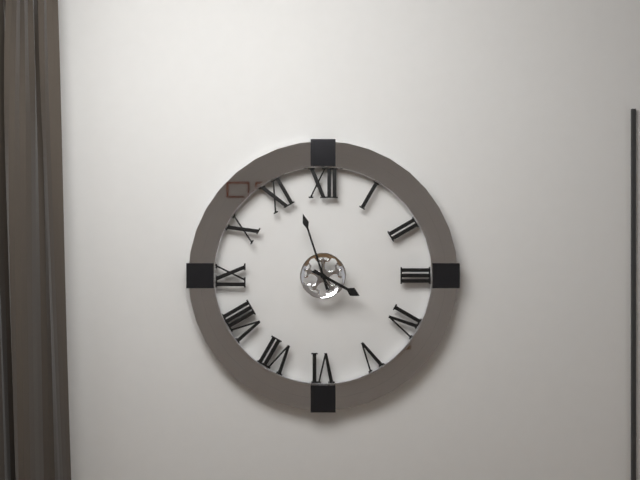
3:57
